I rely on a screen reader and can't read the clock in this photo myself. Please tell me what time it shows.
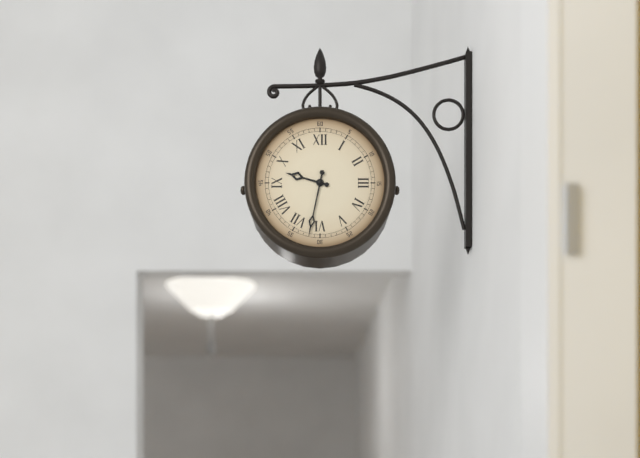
9:32
